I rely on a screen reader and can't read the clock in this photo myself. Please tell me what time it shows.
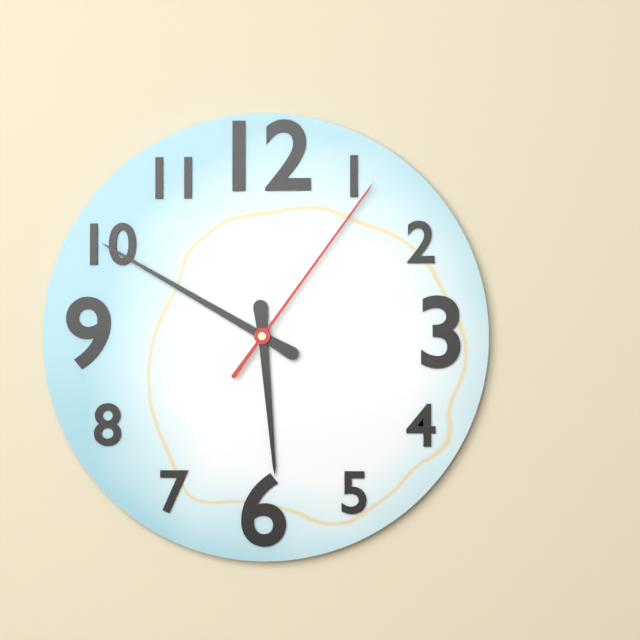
5:50:06
